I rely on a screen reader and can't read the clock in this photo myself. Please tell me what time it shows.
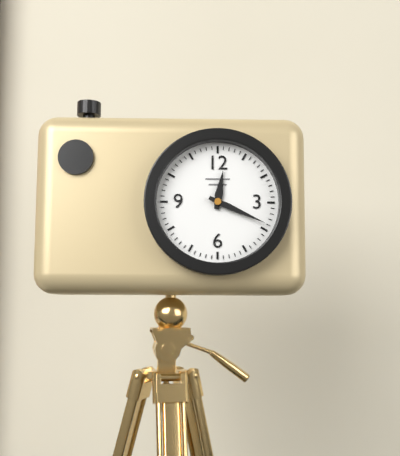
12:19
